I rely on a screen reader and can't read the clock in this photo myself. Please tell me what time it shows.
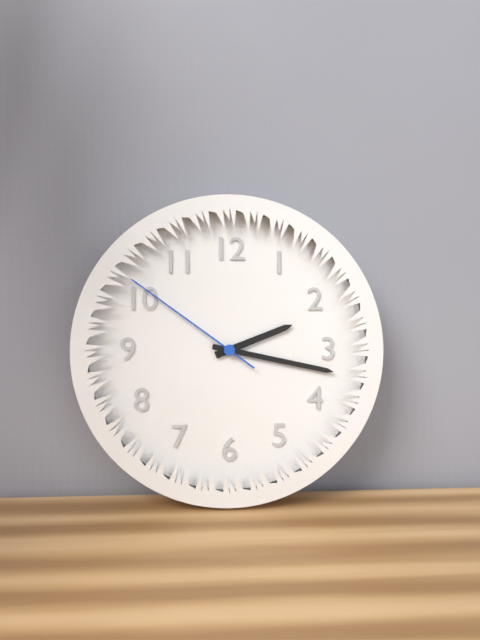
2:17:51
